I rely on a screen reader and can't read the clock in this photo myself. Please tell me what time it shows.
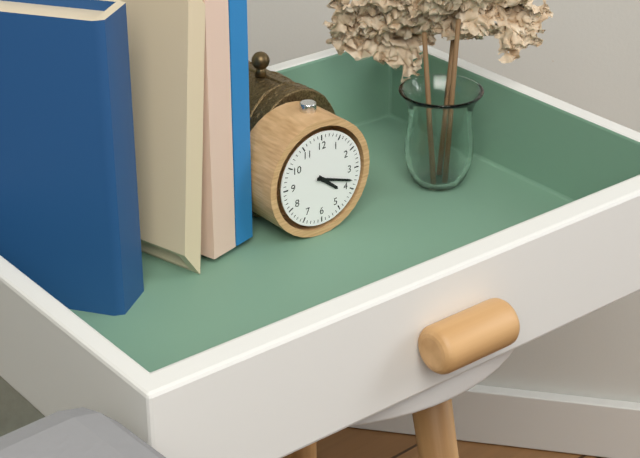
4:18
